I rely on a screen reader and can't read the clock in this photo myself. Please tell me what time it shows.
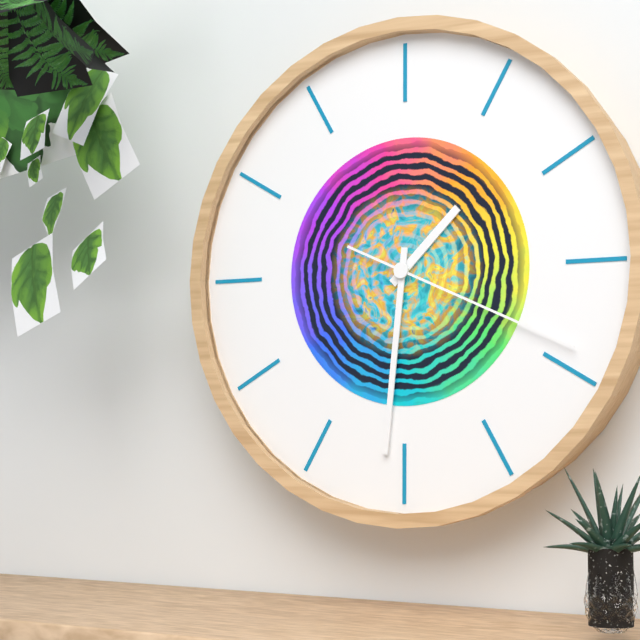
1:31:19
